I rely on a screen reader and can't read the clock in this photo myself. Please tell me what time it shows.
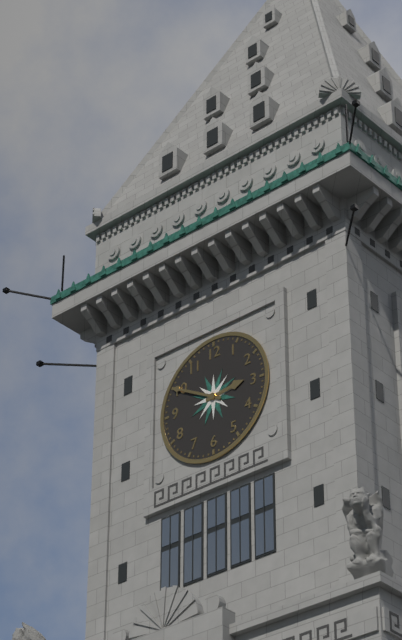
2:50
